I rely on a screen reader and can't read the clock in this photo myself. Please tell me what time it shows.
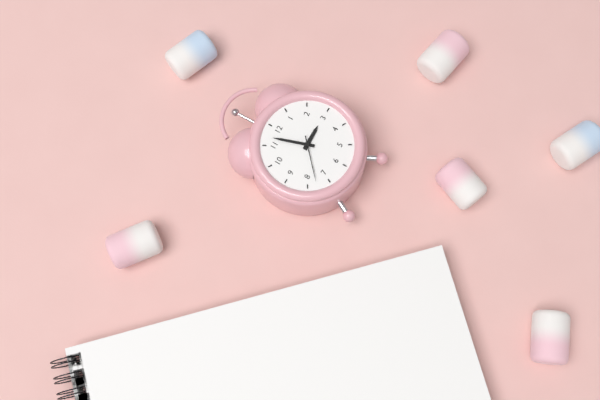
2:57
